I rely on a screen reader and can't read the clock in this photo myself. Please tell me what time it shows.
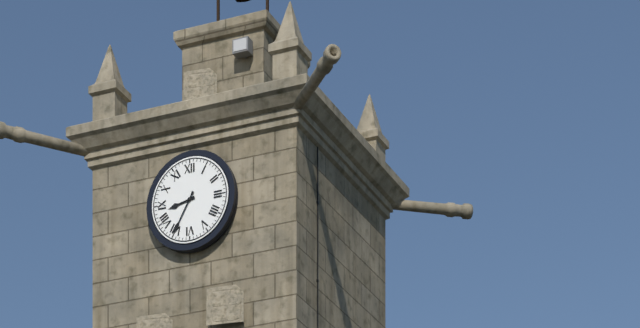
8:35
